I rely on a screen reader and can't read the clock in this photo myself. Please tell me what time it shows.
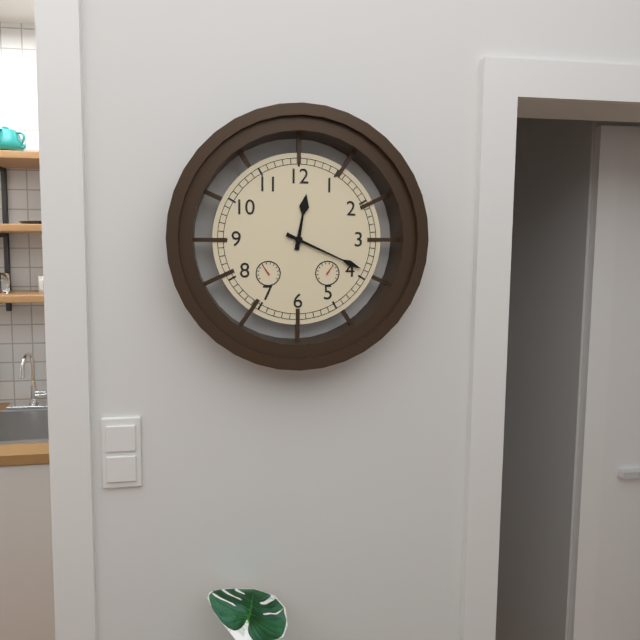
12:19
